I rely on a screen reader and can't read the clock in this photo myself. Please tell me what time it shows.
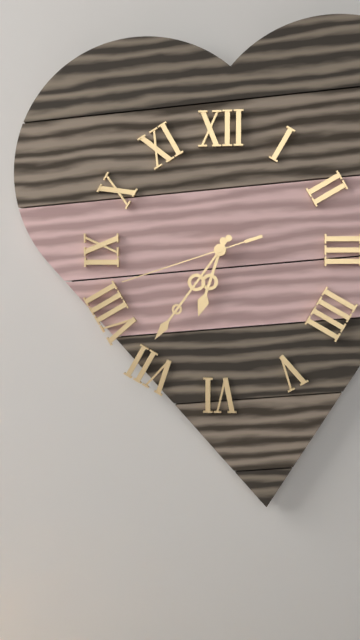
6:36:42
